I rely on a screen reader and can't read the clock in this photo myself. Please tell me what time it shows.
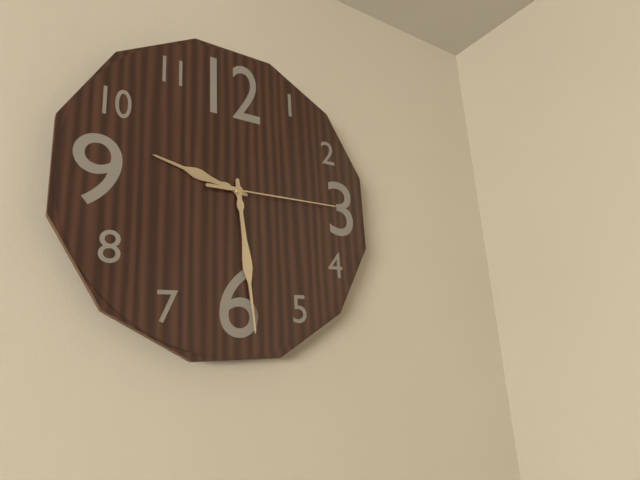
9:29:15
